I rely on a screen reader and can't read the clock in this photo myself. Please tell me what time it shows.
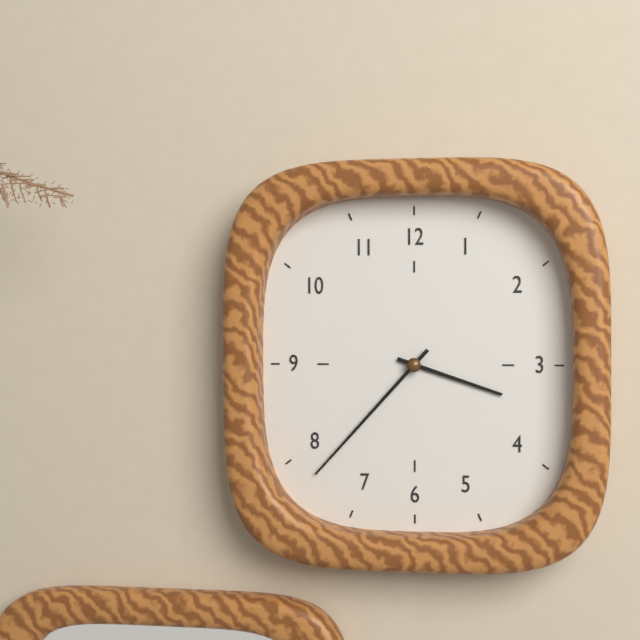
3:37
